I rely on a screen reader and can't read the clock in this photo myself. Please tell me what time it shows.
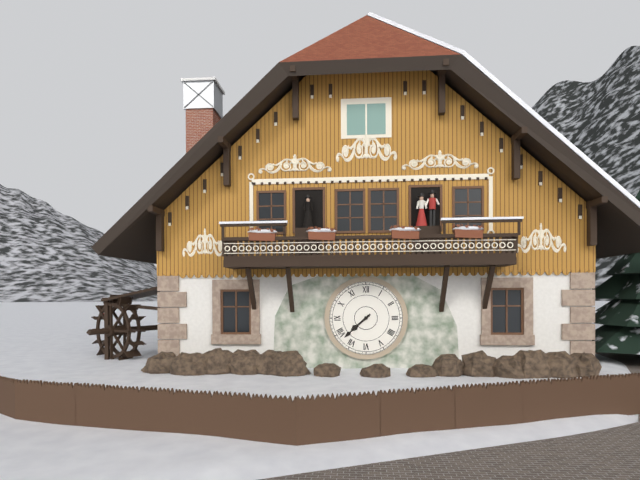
7:38
